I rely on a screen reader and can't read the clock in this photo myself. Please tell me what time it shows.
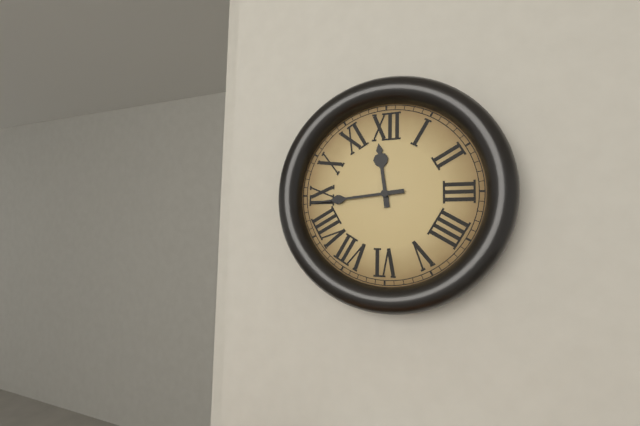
11:44
